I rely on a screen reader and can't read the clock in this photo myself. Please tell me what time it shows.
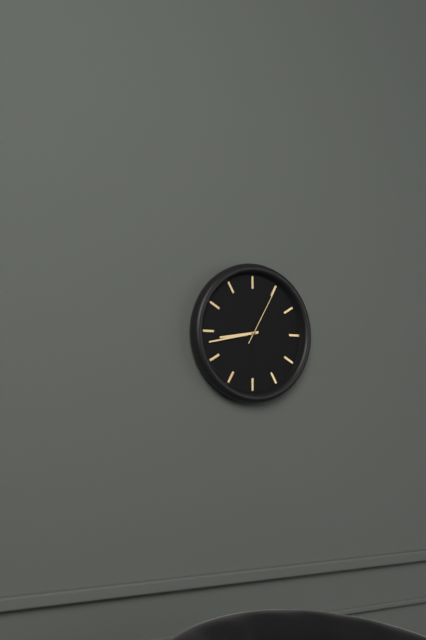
8:43:05
